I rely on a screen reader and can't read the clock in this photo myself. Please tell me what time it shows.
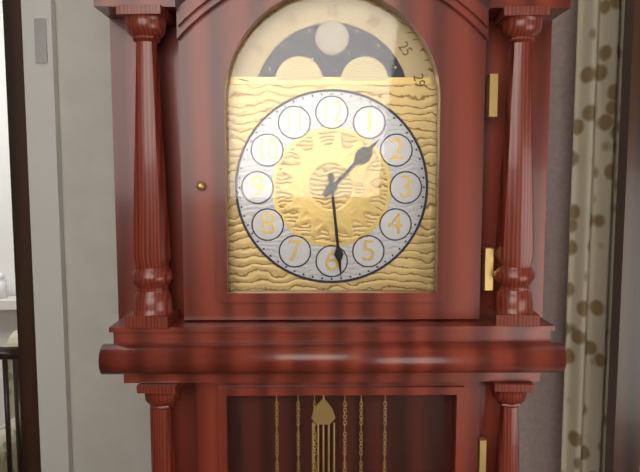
1:29
